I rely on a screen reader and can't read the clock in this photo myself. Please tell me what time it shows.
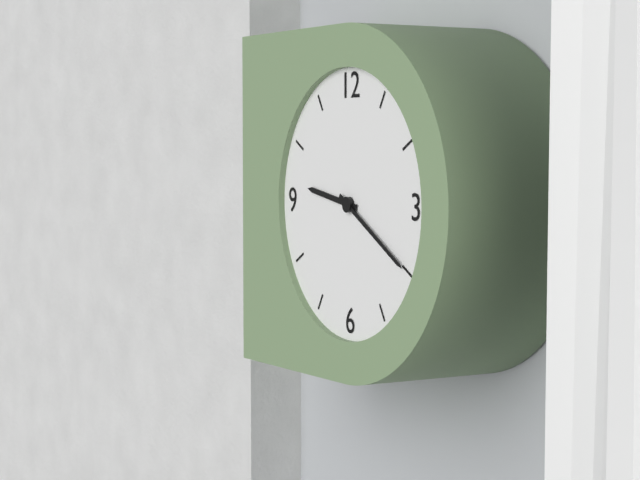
9:20
